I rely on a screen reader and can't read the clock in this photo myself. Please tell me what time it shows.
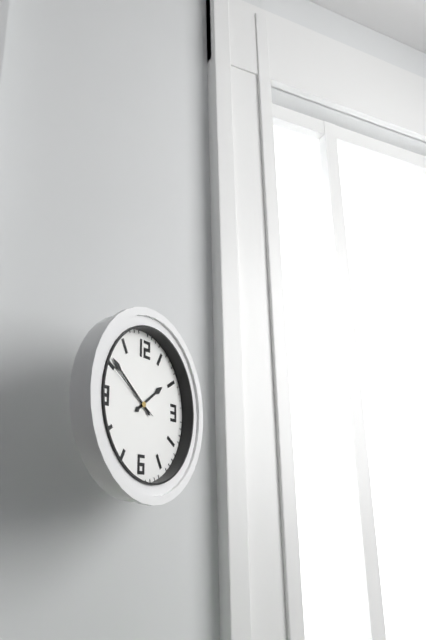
1:51:50
